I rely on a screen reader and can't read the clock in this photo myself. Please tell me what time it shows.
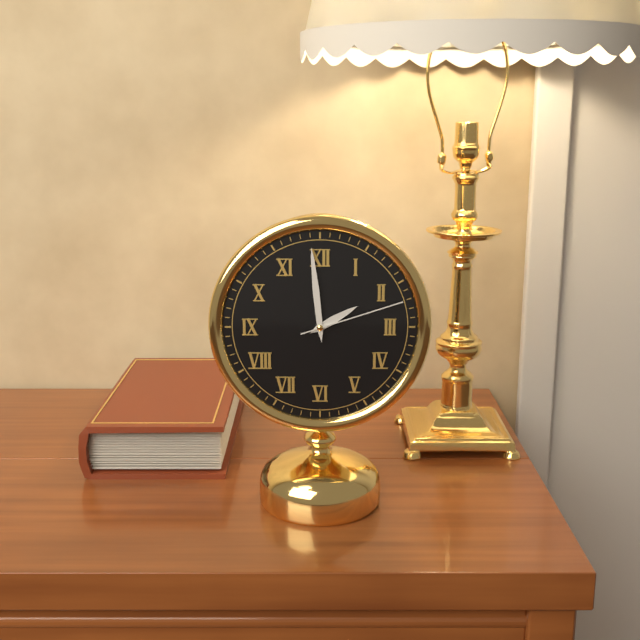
1:59:12
